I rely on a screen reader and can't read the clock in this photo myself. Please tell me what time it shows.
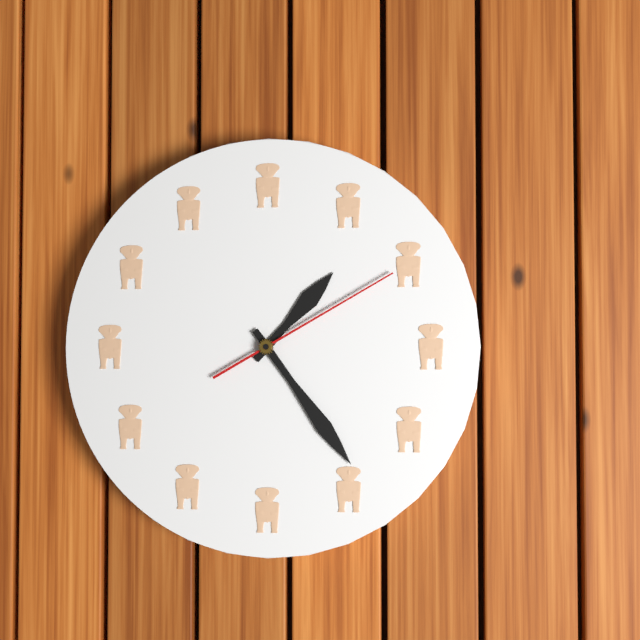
1:24:10
